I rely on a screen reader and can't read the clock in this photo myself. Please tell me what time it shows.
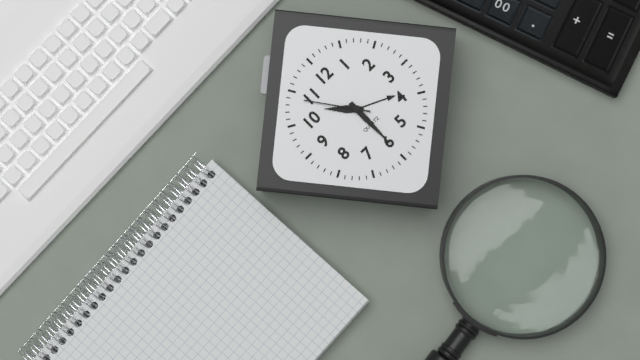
10:30:54
